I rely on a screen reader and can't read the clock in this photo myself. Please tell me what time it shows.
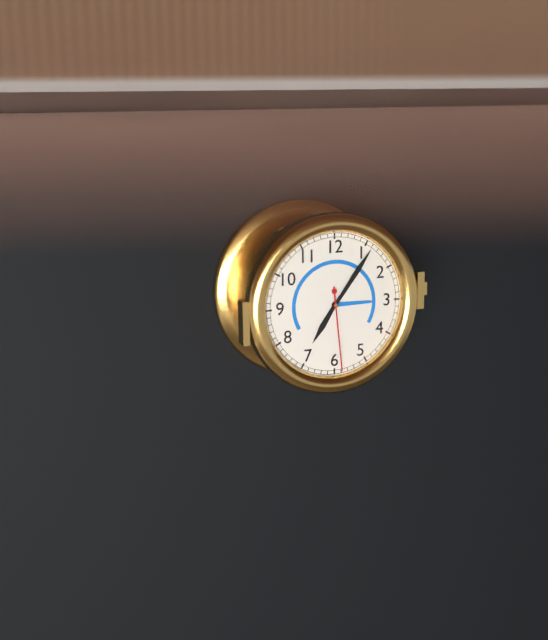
7:06:29
